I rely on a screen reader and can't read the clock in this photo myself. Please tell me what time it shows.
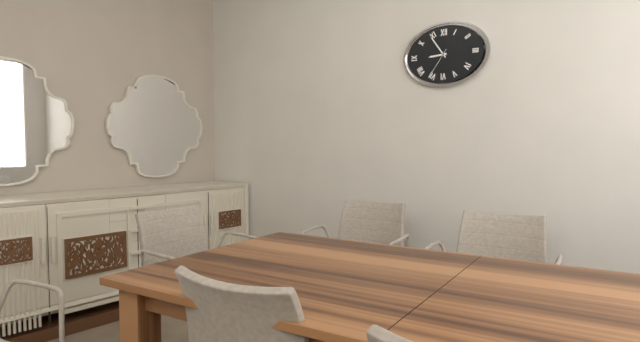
8:54
